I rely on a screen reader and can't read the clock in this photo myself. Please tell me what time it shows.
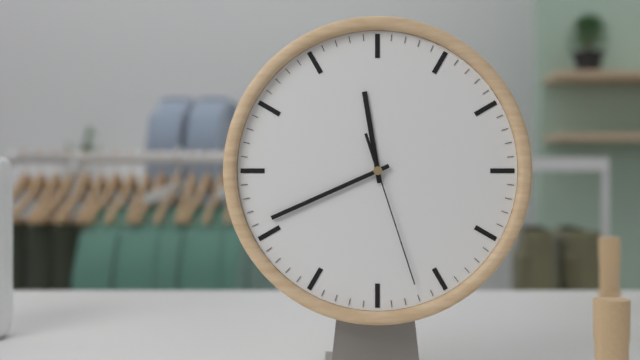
11:41:27
